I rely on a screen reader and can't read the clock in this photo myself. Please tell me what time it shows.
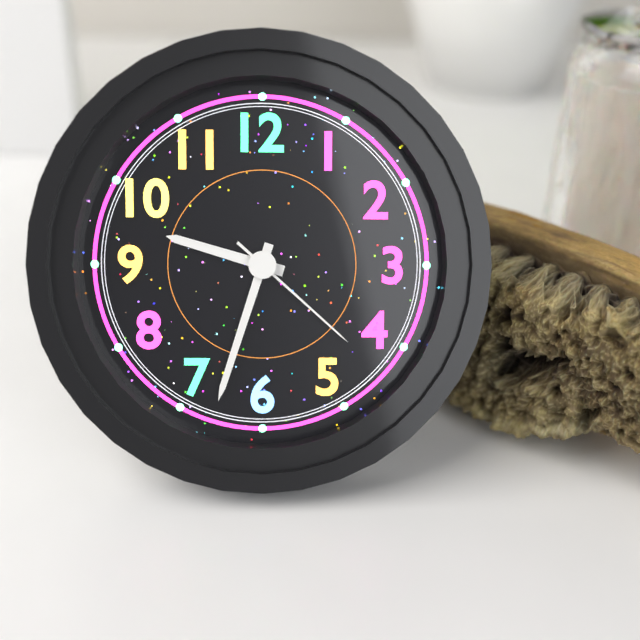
9:33:22
